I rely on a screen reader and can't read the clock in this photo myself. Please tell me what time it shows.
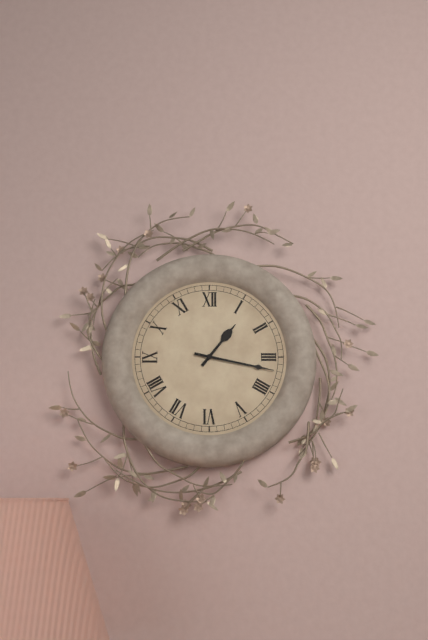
1:17
